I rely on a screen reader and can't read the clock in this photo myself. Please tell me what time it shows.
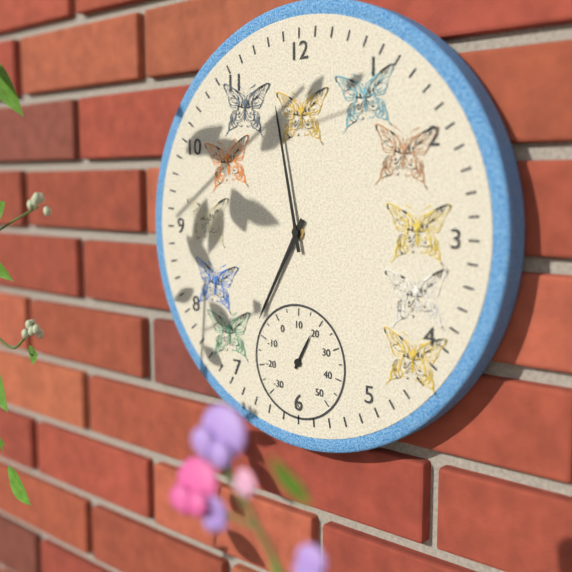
6:58
